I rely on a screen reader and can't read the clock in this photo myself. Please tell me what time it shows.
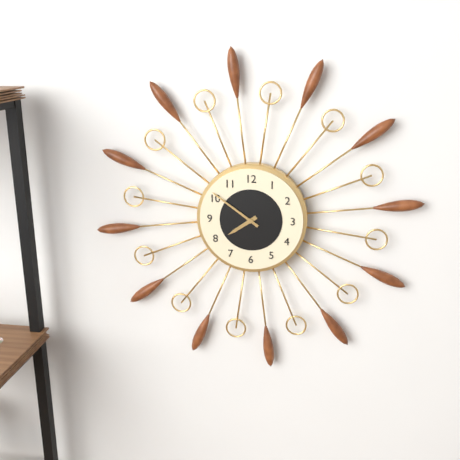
7:51
